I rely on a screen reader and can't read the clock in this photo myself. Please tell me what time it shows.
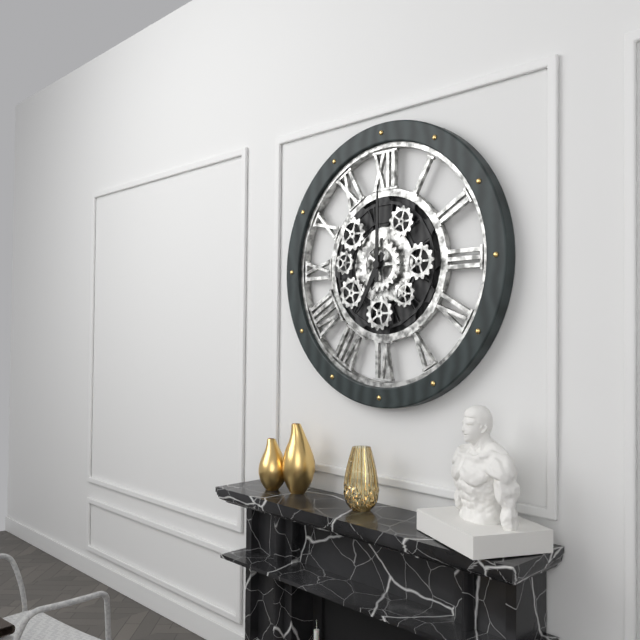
7:00
